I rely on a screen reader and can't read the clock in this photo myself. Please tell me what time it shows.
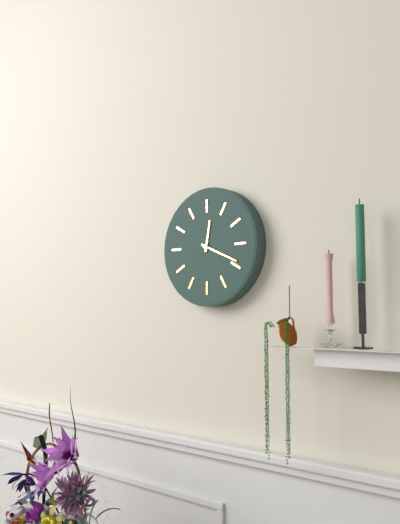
12:19
